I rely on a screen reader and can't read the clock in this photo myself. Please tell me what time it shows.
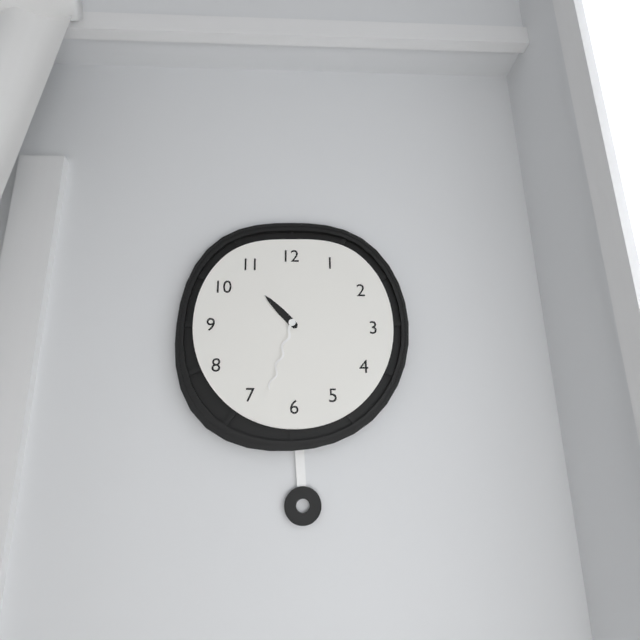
10:33
